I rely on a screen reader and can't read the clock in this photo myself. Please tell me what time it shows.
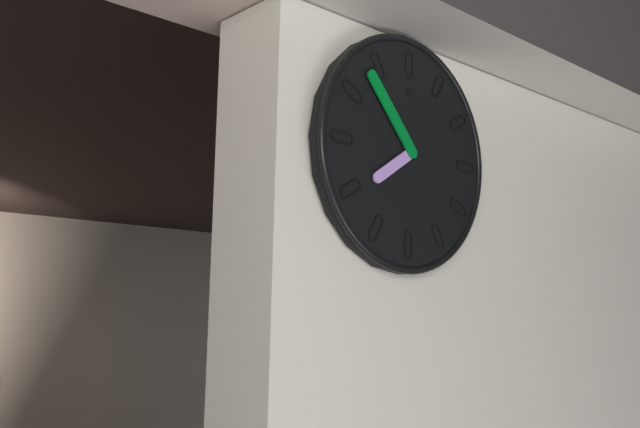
7:53
